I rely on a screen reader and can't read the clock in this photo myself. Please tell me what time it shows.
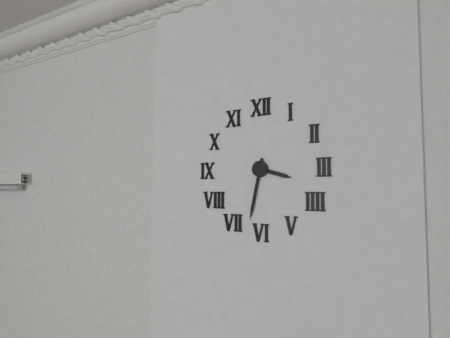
3:32
